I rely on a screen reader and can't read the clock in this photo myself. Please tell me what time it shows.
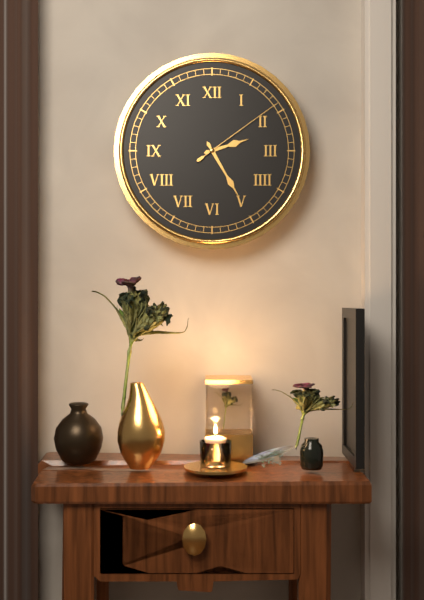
2:25:09
